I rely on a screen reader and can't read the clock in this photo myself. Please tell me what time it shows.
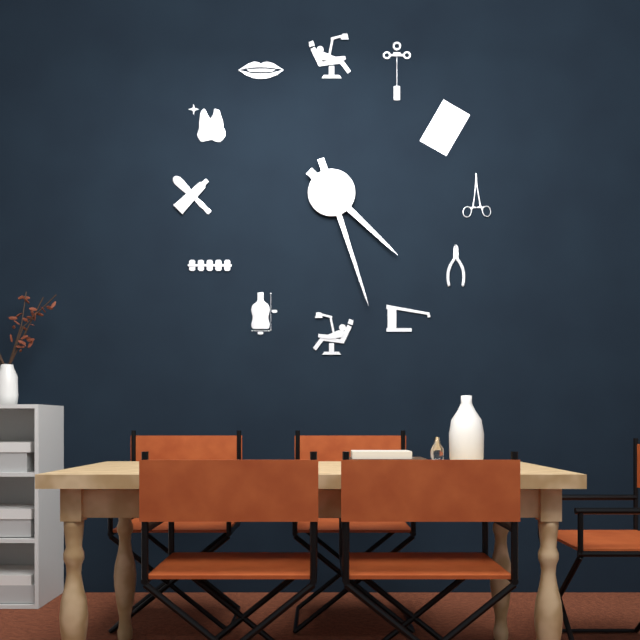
4:27
